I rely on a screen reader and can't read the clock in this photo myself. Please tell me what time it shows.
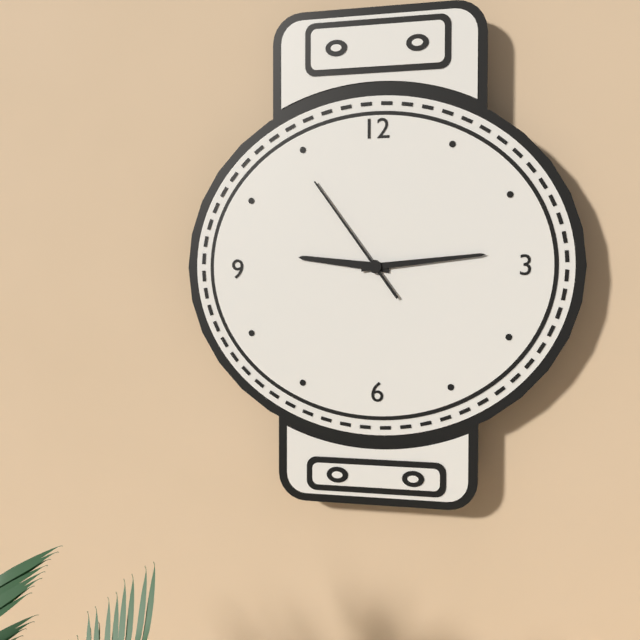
9:14:54
